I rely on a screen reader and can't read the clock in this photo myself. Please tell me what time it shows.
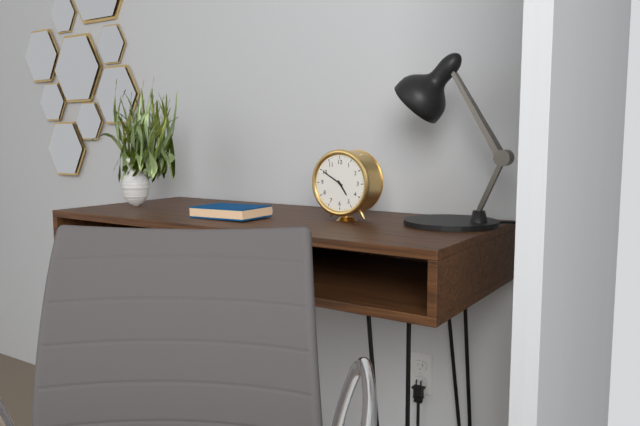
4:50
